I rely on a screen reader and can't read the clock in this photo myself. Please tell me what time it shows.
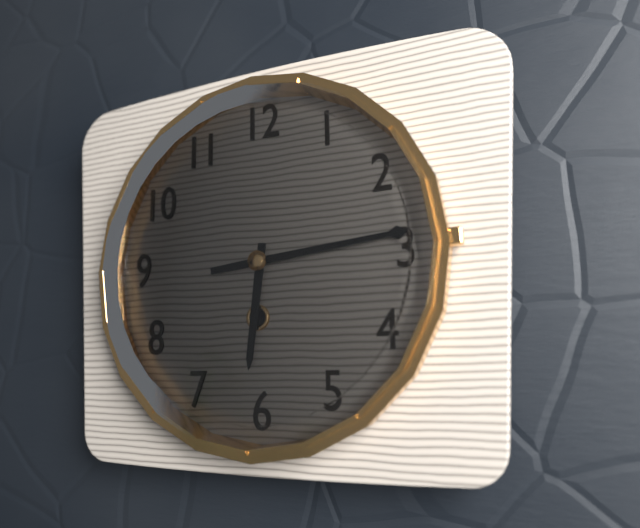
6:14
